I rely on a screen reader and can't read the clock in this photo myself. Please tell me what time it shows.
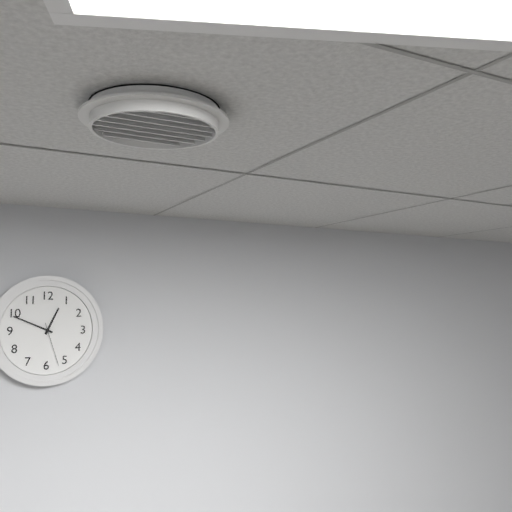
12:49
